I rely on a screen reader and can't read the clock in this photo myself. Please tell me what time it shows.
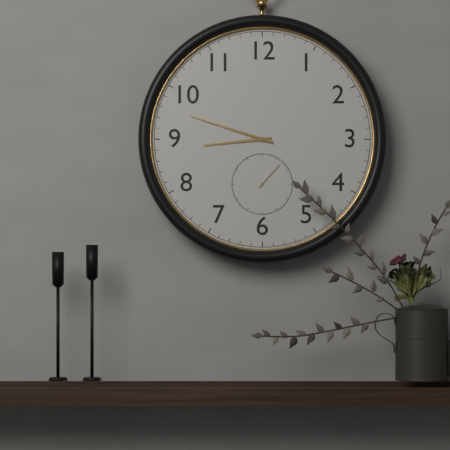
8:48
